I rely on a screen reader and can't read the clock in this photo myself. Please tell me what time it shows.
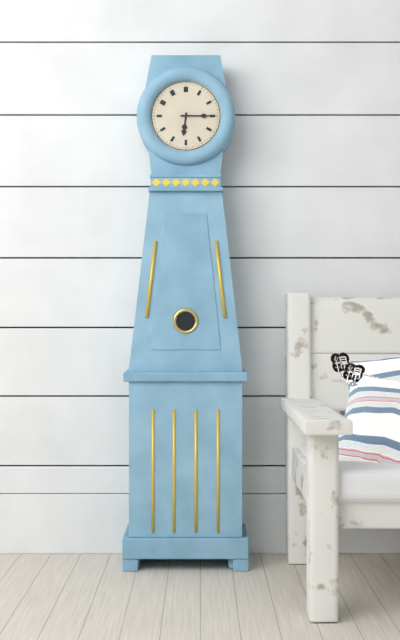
6:15
